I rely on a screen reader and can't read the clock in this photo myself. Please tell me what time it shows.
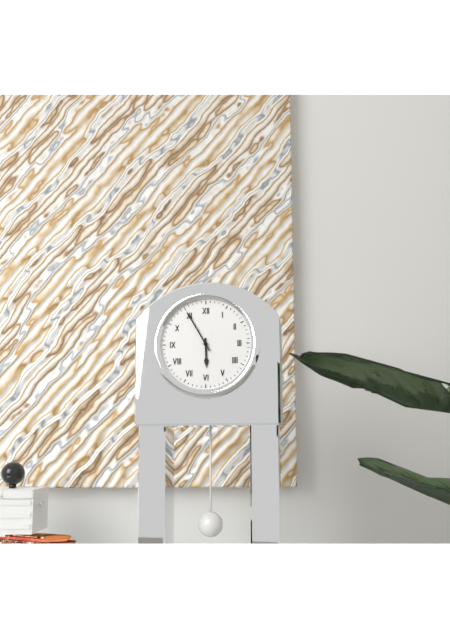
5:55
